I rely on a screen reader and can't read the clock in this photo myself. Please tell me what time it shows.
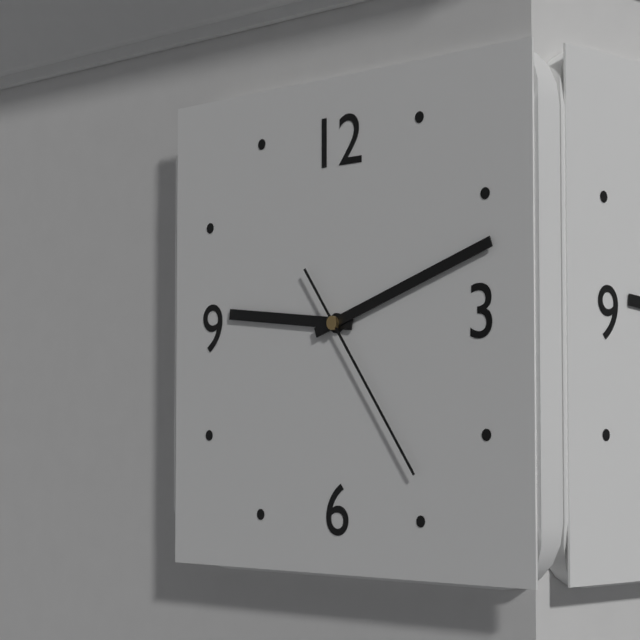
9:12:24
